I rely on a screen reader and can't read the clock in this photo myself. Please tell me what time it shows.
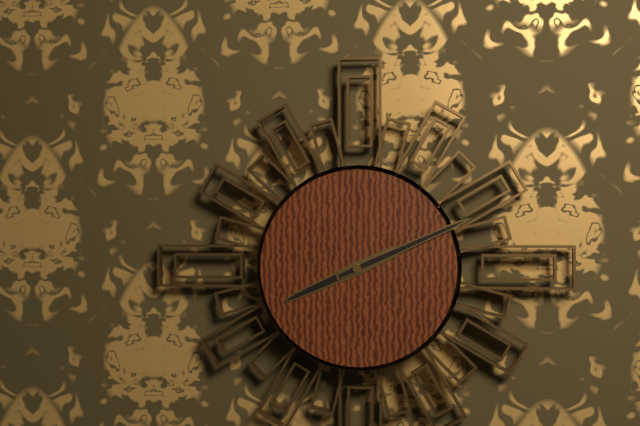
8:11
